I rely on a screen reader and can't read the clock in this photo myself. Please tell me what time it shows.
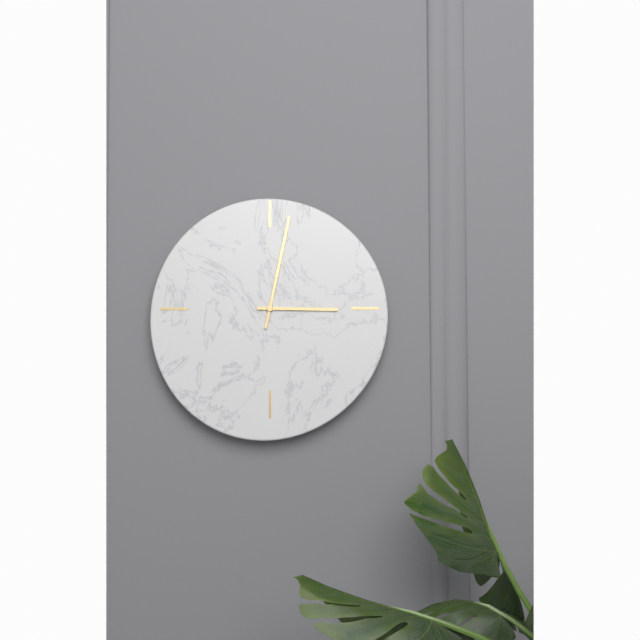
3:02
